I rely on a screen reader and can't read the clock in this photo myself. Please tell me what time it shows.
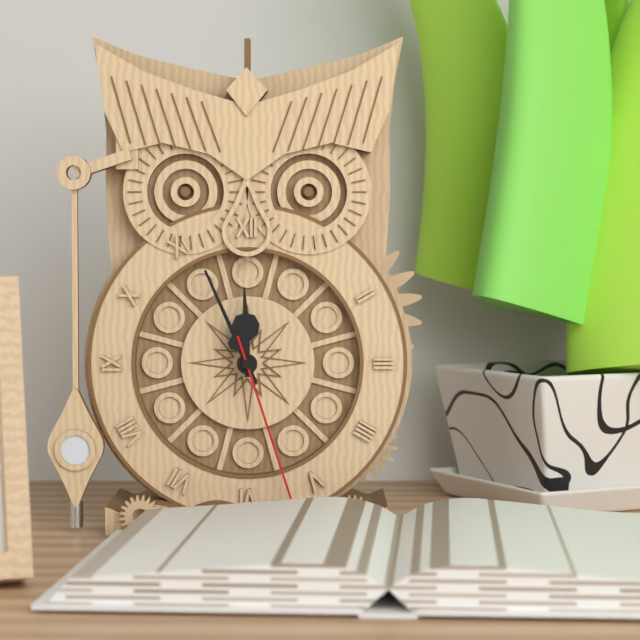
11:56:27
